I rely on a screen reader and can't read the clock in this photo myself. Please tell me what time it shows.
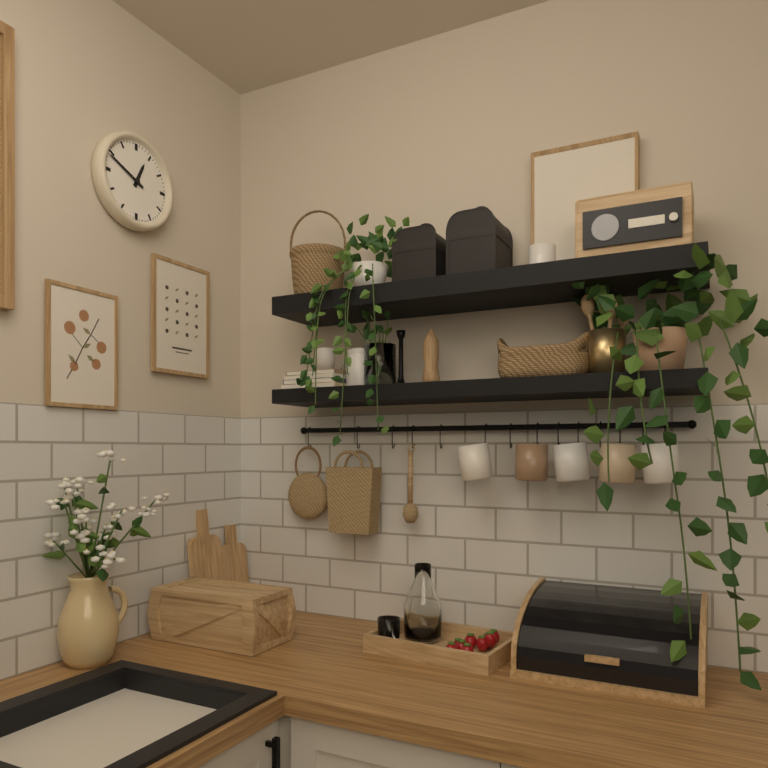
12:49
